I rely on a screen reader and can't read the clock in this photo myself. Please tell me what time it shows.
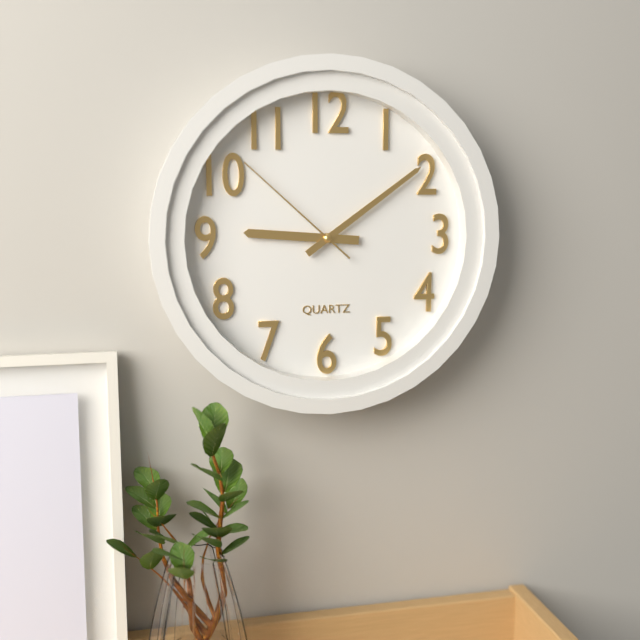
9:09:52
